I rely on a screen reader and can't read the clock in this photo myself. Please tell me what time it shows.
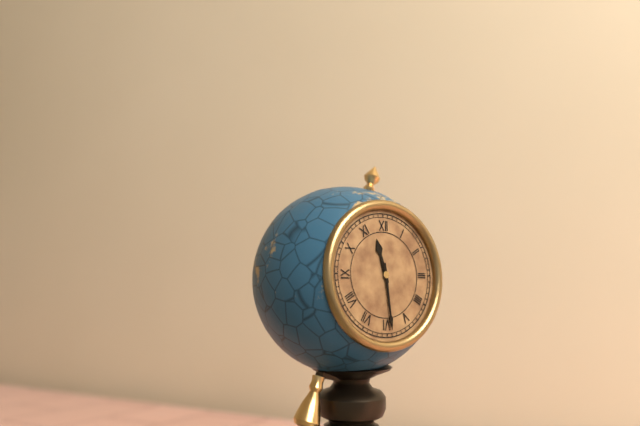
11:29
